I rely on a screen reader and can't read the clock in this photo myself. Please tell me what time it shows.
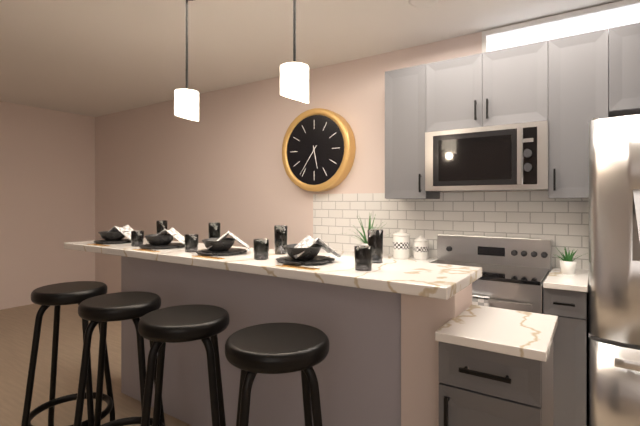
5:36
